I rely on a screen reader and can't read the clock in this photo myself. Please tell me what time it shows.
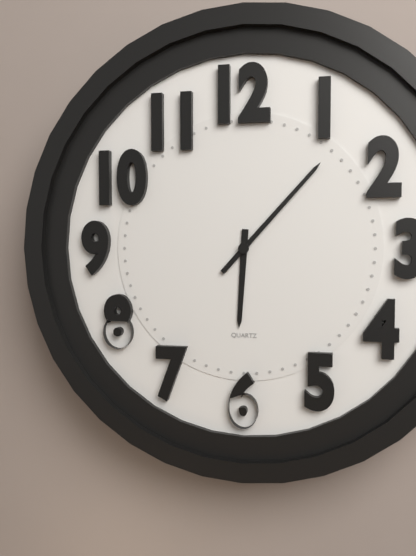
6:07
